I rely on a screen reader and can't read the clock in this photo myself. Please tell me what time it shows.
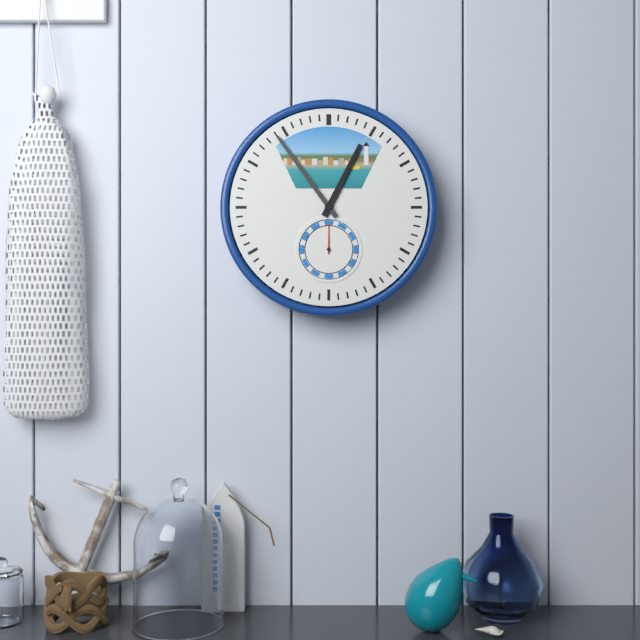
12:54
